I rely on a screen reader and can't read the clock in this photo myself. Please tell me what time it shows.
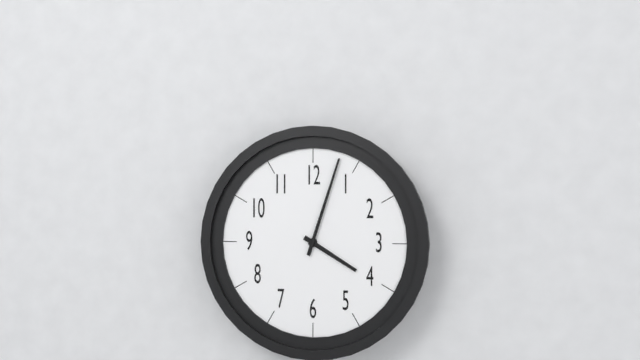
4:03
